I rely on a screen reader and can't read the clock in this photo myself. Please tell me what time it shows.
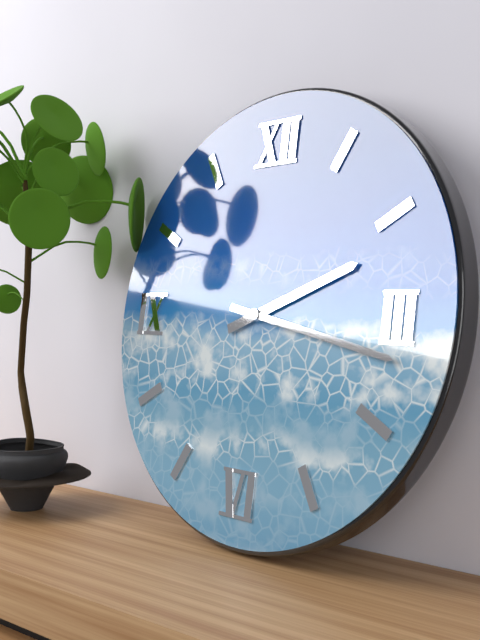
2:17
